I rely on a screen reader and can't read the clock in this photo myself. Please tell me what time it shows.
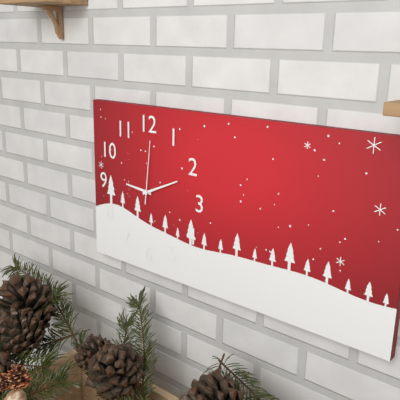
9:11:01
